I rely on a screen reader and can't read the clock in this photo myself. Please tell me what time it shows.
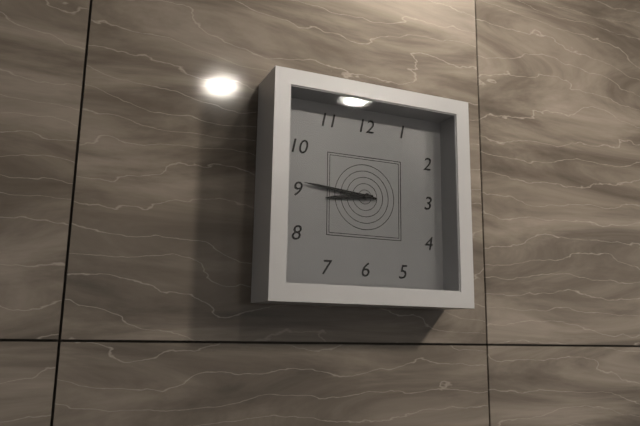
8:46
